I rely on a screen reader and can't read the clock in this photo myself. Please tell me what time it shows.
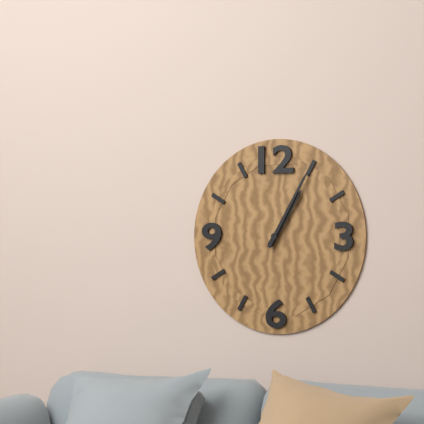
1:05
